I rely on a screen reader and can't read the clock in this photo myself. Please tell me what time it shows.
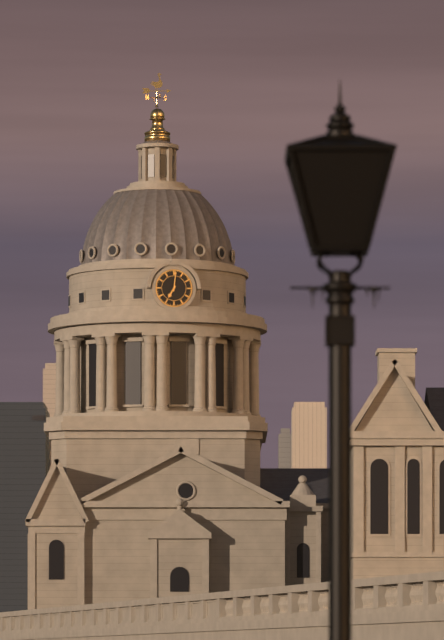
7:01
